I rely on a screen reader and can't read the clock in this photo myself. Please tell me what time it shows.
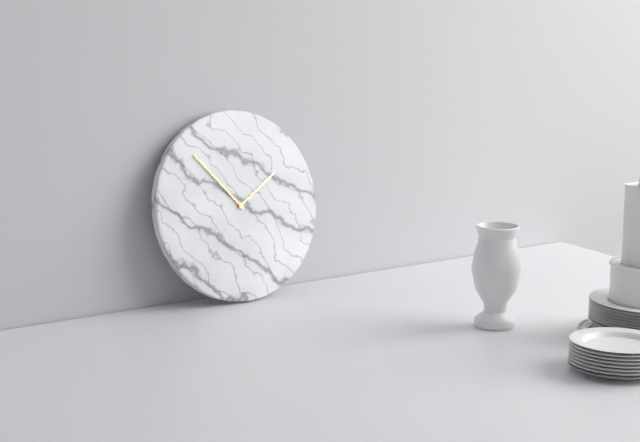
1:53
